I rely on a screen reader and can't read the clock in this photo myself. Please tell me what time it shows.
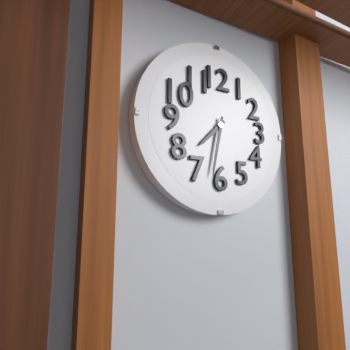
7:32
